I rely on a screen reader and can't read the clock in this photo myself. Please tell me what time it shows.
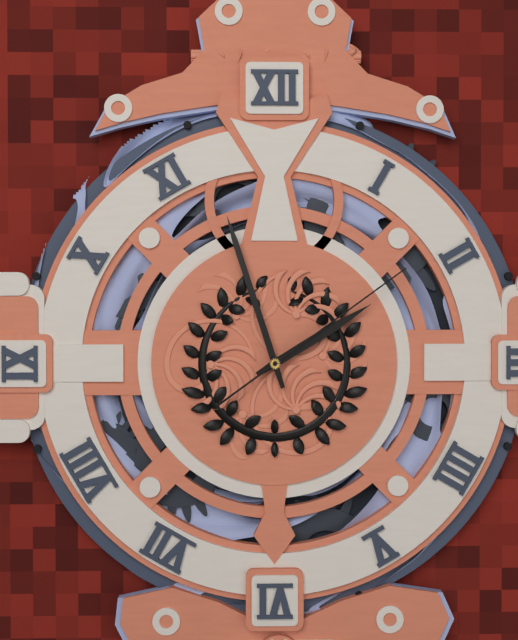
1:57:09
